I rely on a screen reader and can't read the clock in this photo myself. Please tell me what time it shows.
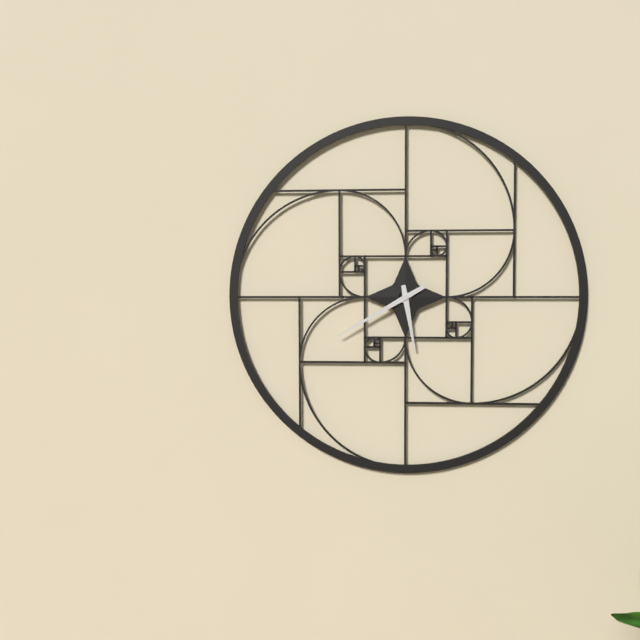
5:40
